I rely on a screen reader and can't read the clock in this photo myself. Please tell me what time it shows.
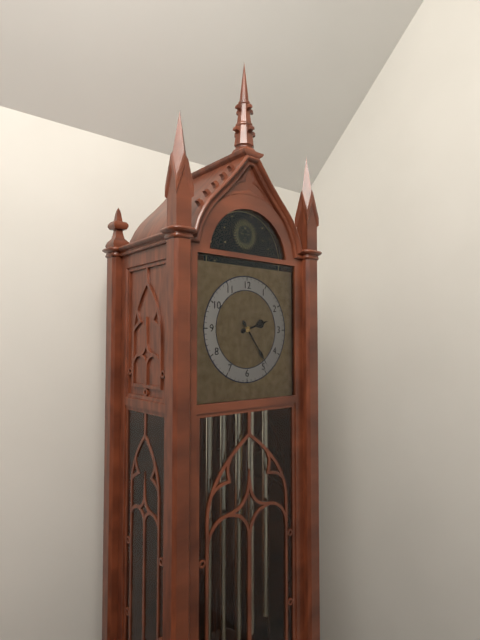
2:24
